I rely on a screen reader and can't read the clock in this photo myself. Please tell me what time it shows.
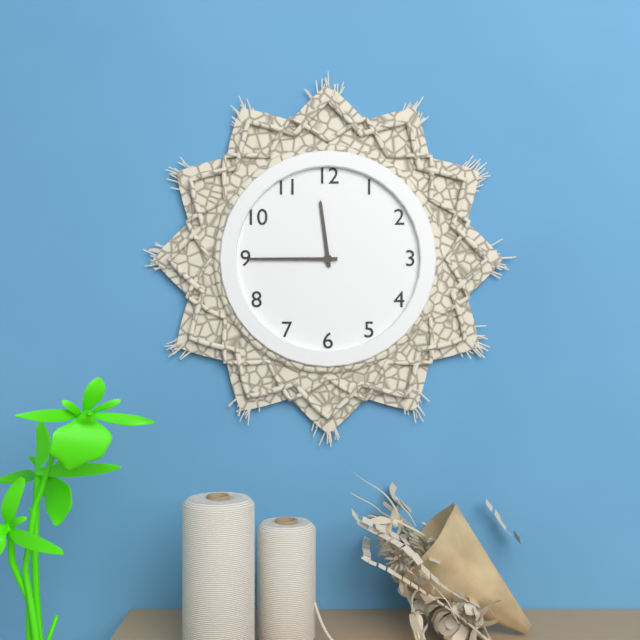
11:45
